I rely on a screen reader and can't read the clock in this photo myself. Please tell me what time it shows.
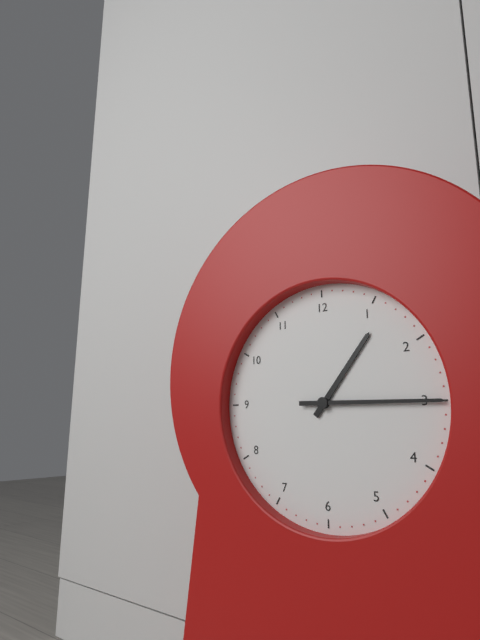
1:15
